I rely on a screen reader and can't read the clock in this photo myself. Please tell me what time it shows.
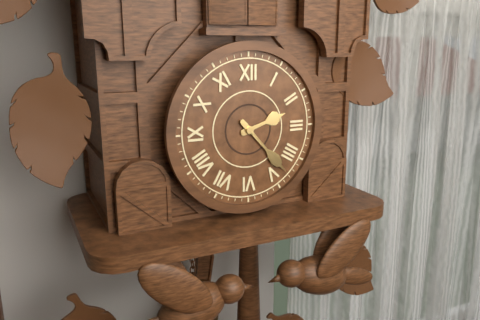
2:23
